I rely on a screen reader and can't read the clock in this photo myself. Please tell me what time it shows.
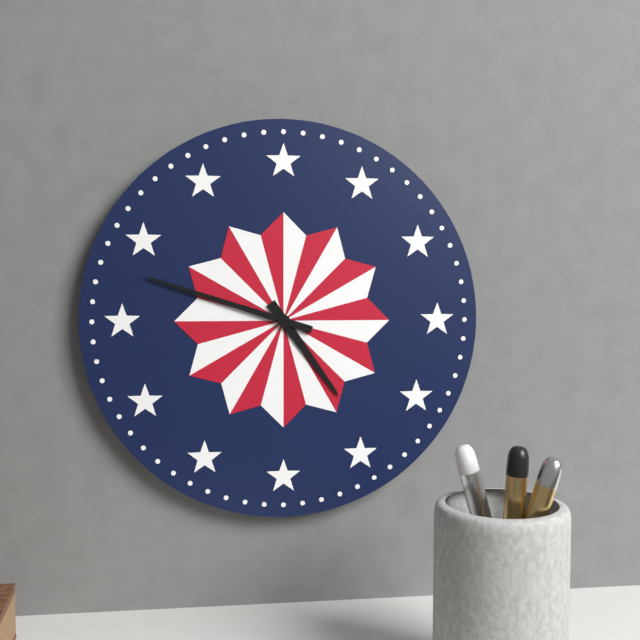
4:48
